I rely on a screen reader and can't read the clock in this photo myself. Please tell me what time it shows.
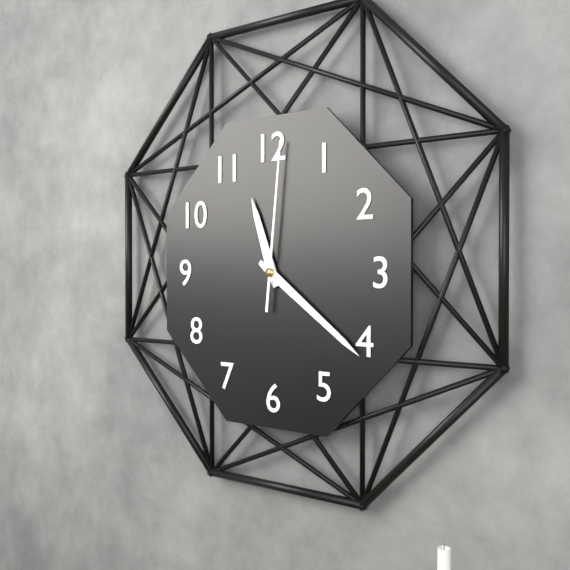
11:21:01
